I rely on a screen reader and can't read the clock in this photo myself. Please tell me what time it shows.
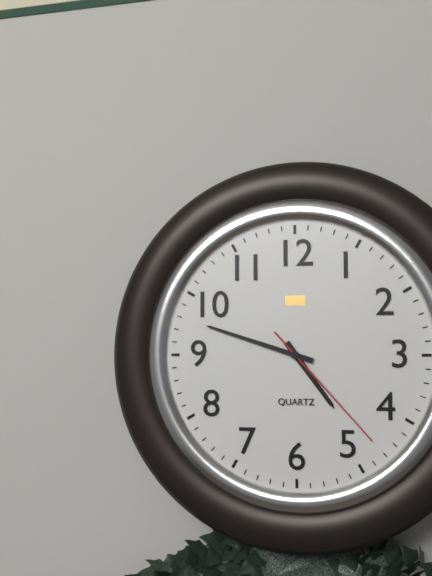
4:48:23
